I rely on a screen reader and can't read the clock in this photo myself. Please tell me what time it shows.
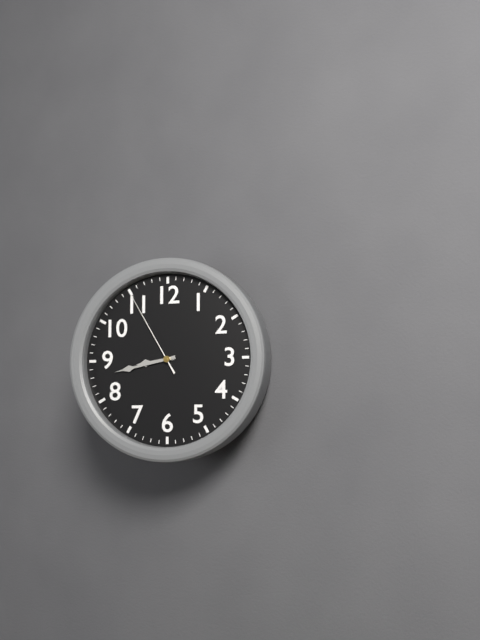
8:43:55
